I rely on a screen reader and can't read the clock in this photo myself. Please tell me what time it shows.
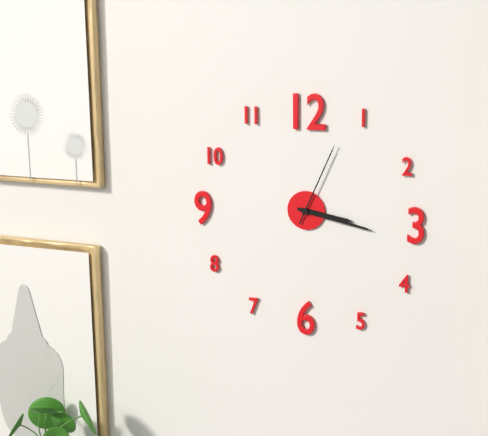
3:17:04
